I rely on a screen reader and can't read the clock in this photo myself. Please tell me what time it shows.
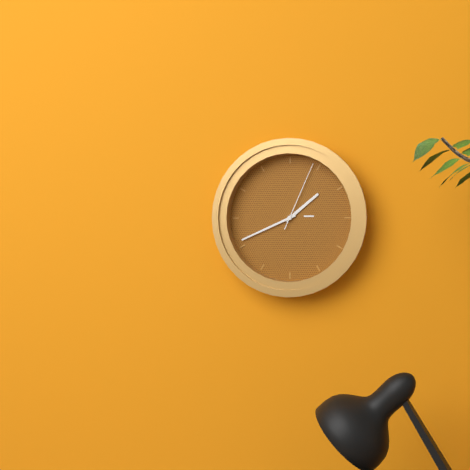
1:41:04
